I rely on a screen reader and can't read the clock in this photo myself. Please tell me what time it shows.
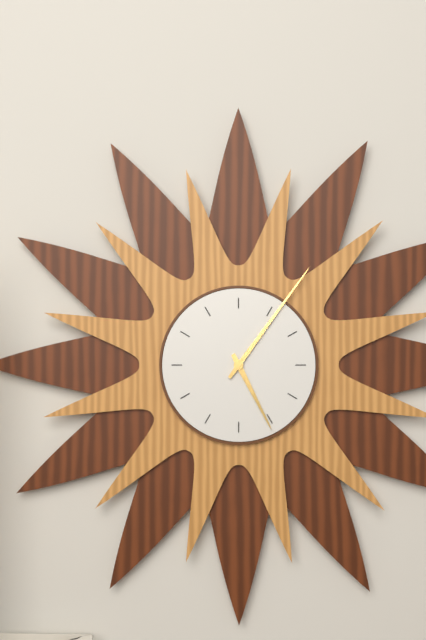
5:06
